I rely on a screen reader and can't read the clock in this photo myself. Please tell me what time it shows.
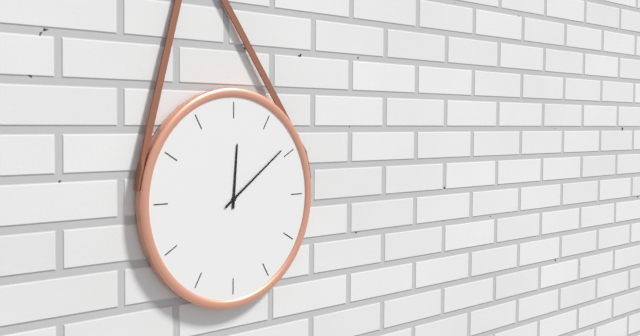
12:09
